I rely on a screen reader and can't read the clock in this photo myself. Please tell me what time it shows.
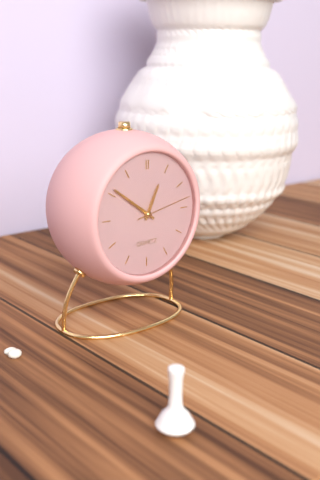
12:51:13
